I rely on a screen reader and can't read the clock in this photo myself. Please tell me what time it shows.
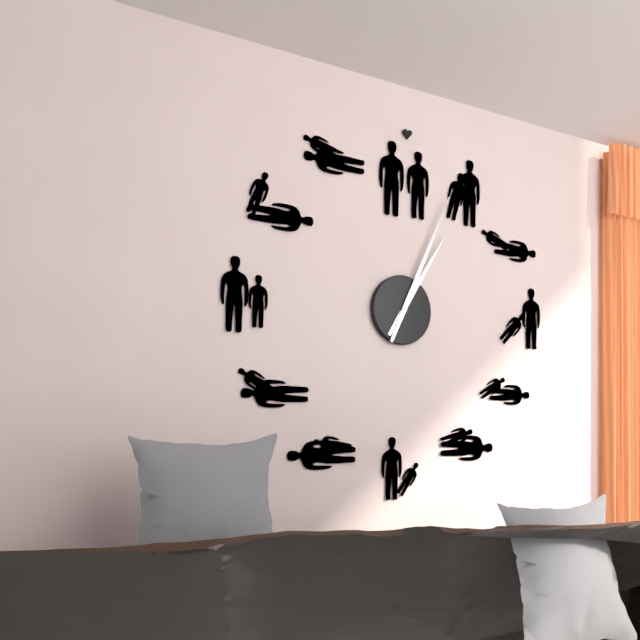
1:04
